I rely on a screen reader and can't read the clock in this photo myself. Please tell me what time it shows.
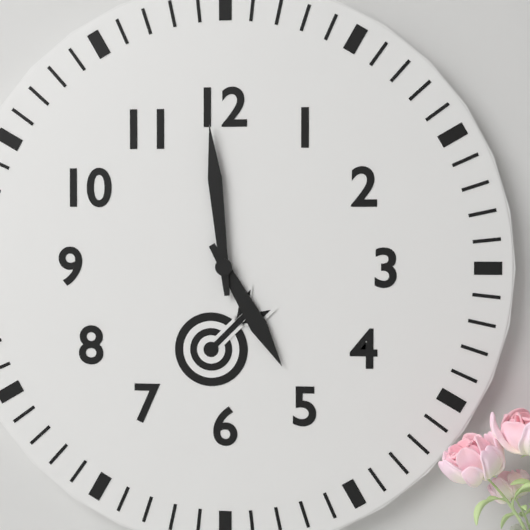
4:59
